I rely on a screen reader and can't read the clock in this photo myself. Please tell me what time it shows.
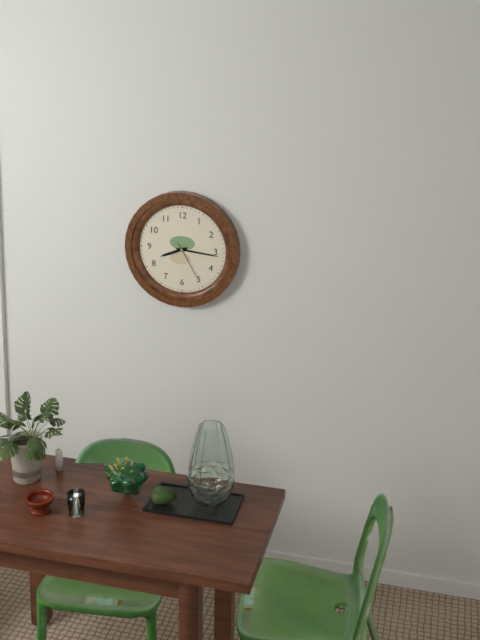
8:16
